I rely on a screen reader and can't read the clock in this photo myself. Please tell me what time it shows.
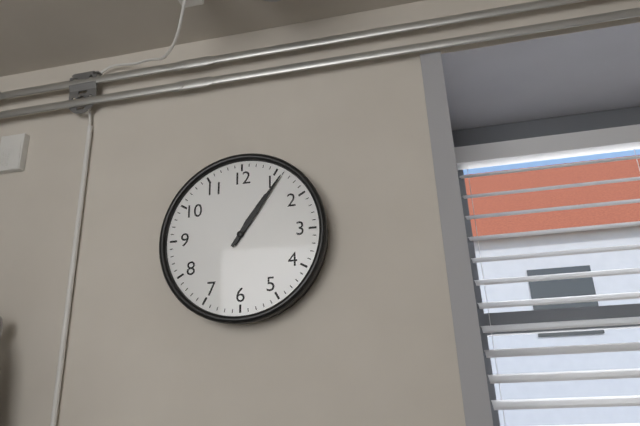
1:06
